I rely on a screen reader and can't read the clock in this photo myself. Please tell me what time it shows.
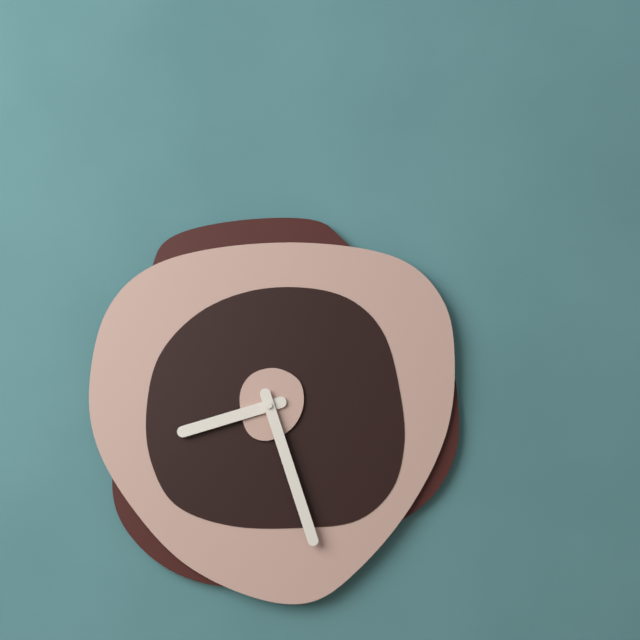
8:27
